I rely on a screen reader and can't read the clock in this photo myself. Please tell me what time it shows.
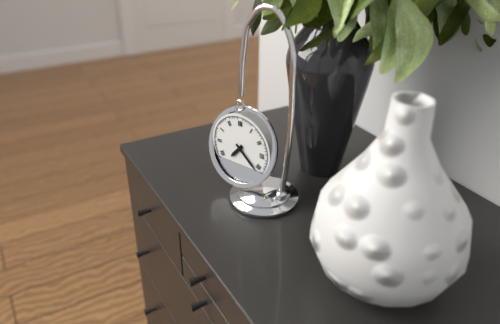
7:22
